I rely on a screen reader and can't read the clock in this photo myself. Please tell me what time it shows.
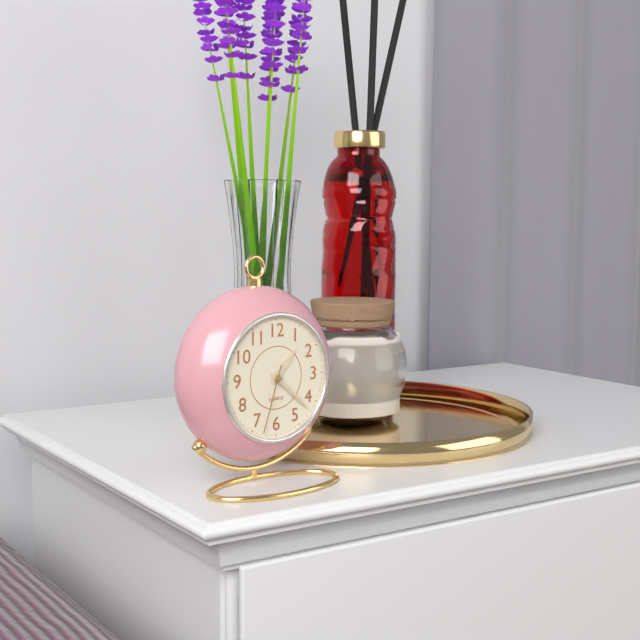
1:22:33
